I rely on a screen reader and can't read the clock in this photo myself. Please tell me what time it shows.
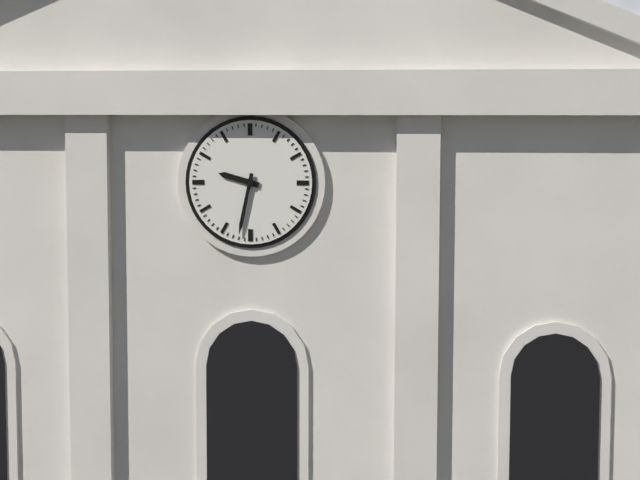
9:32
